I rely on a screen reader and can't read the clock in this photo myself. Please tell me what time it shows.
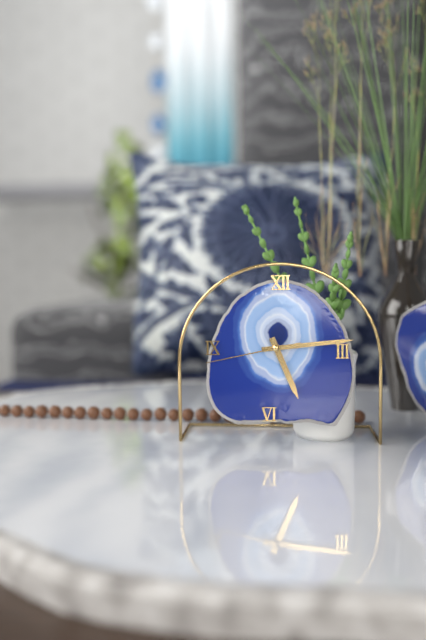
5:14:43
